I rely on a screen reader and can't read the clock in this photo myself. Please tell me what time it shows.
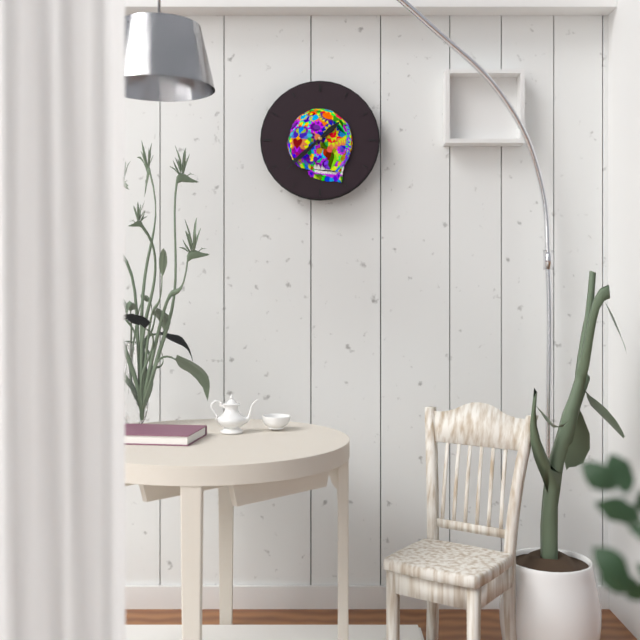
1:38
